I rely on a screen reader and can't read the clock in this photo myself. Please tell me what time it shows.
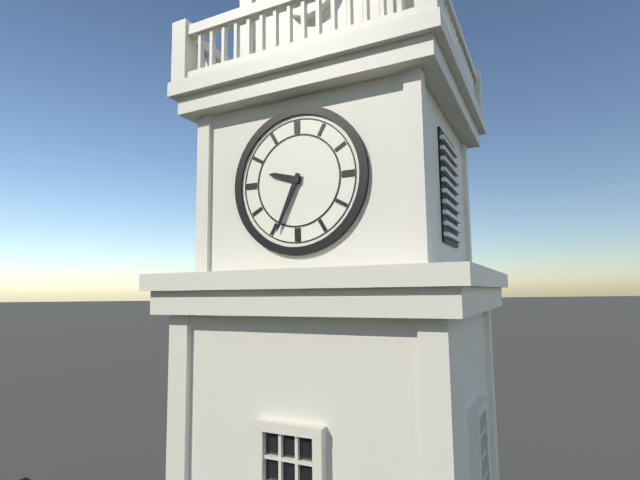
9:34
